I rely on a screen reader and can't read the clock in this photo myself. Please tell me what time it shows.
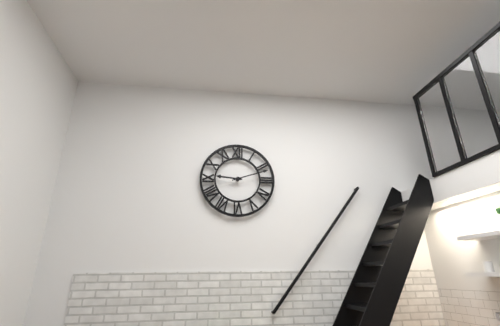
9:12
